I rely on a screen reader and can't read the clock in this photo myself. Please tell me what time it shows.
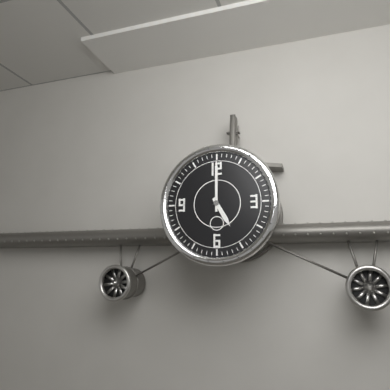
5:00
